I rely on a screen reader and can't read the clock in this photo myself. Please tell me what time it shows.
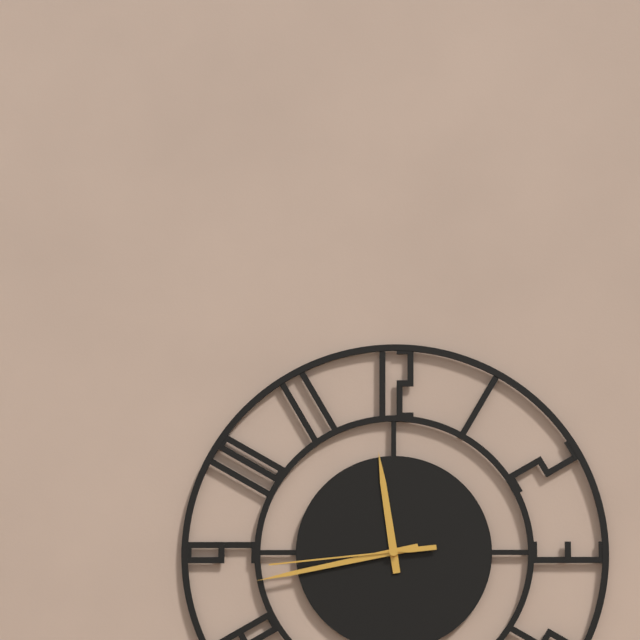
11:43:44
